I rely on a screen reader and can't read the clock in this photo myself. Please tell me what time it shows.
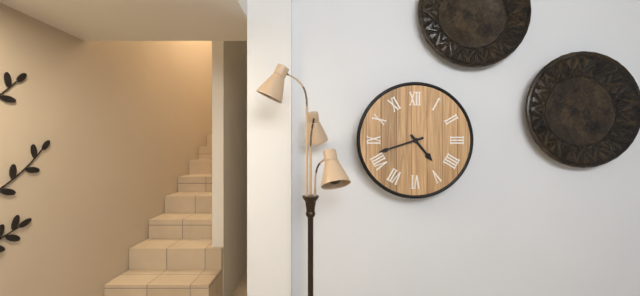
4:42
